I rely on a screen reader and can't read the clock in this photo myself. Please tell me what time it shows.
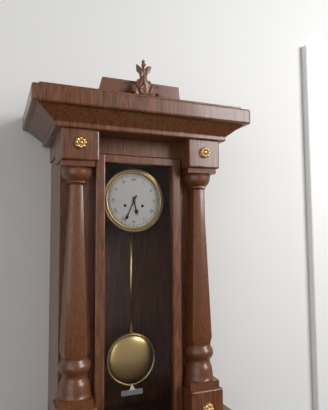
5:34
